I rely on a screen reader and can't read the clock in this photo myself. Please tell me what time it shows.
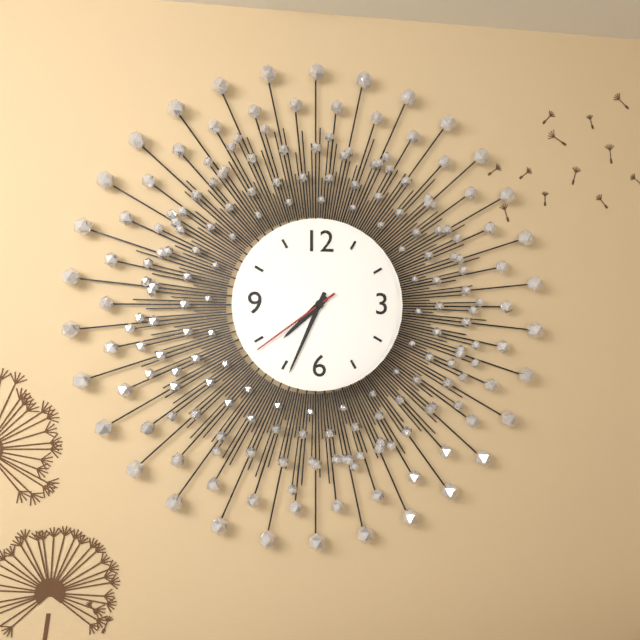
7:34:39
